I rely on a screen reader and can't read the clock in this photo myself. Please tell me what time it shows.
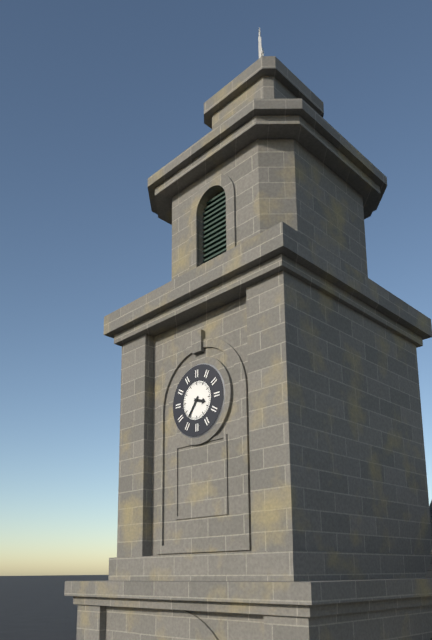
3:36
